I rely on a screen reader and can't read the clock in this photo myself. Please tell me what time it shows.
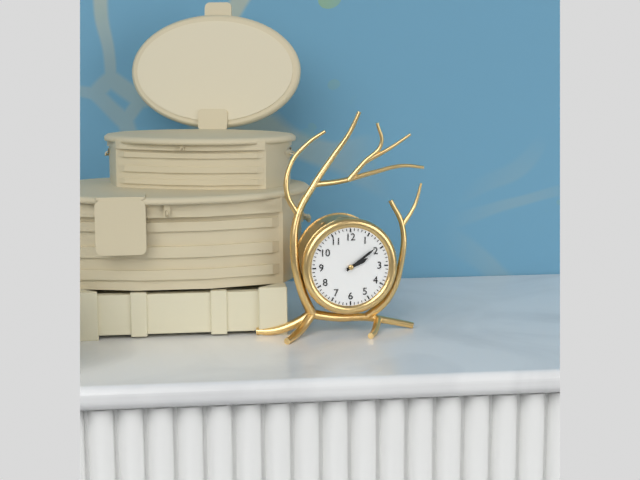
2:09
